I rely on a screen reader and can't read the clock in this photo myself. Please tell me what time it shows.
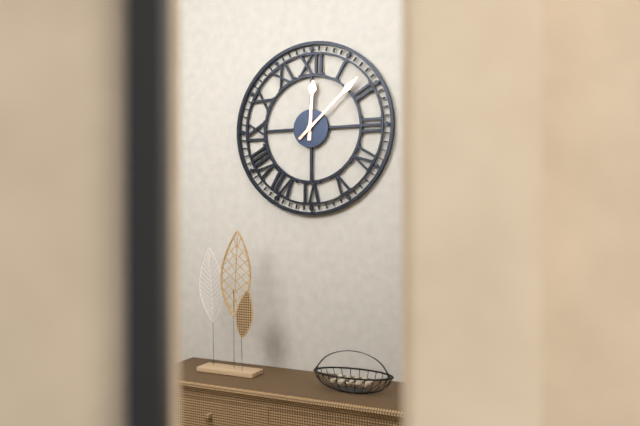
12:08
